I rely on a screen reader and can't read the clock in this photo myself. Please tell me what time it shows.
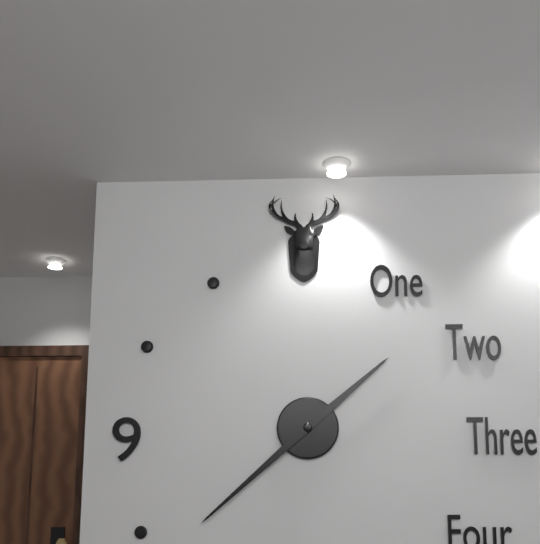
1:38
